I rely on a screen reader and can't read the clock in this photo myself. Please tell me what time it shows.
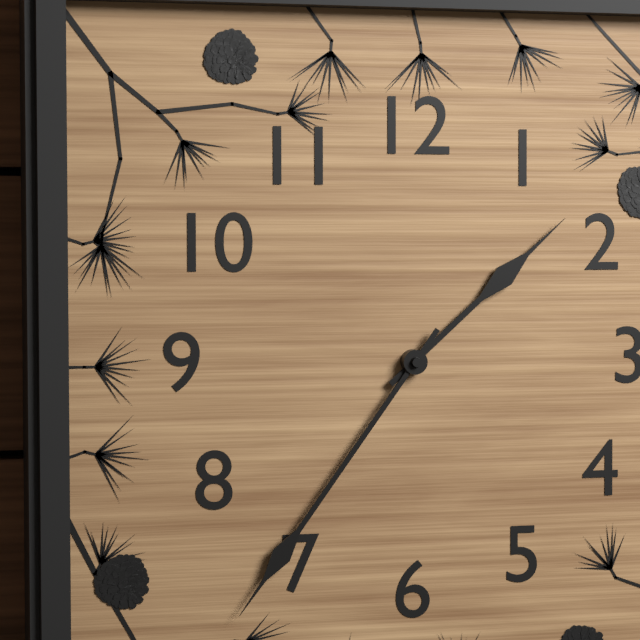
1:36
